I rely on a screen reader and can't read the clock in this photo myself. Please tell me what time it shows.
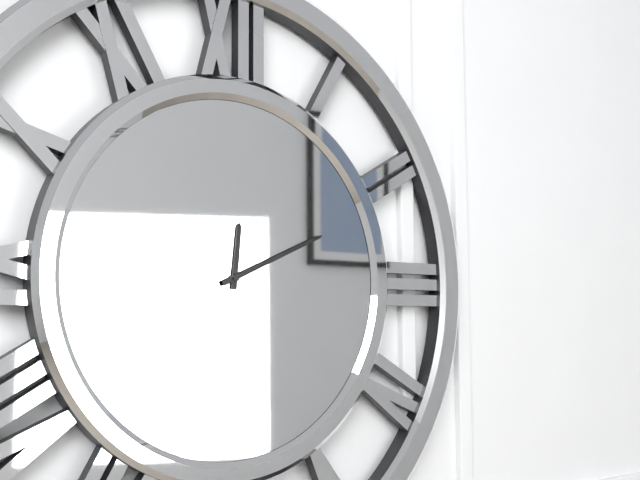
12:11
